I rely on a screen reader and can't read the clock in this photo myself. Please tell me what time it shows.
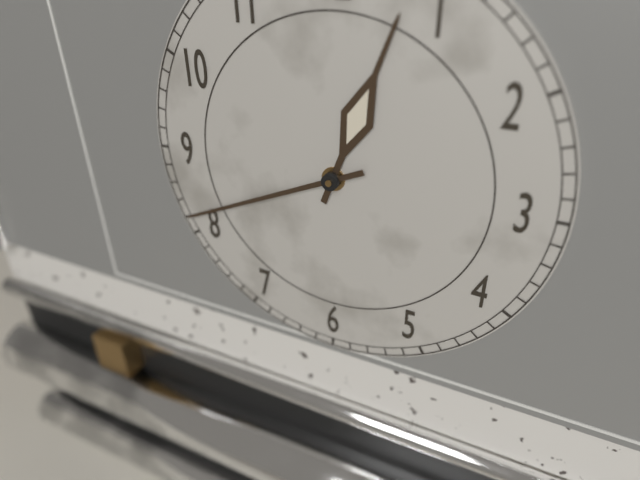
12:41
